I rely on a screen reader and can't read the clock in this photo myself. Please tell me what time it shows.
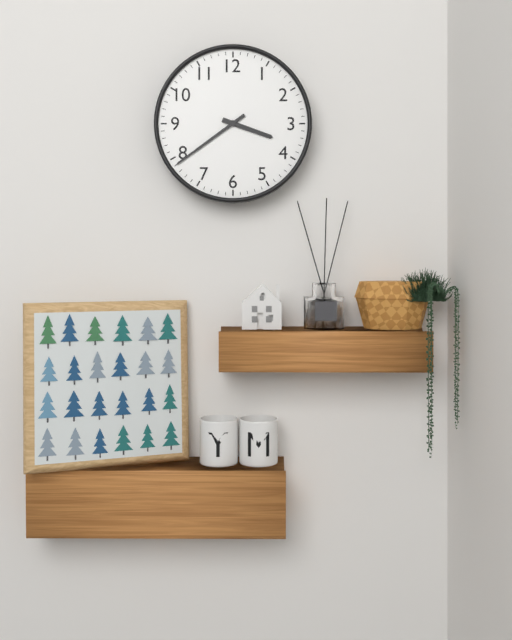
3:39
